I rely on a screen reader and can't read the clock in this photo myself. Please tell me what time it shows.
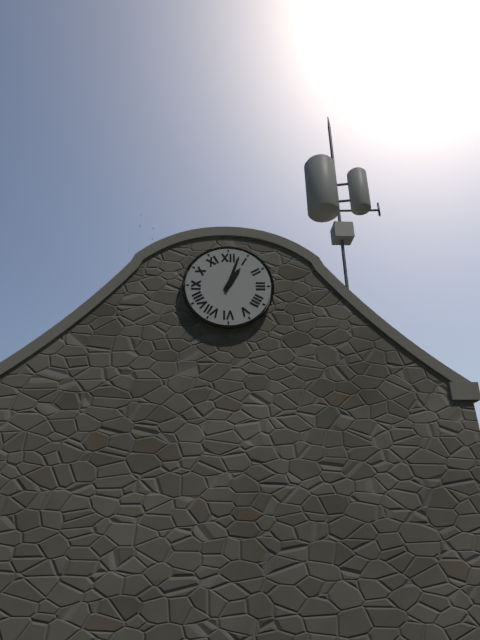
1:03
